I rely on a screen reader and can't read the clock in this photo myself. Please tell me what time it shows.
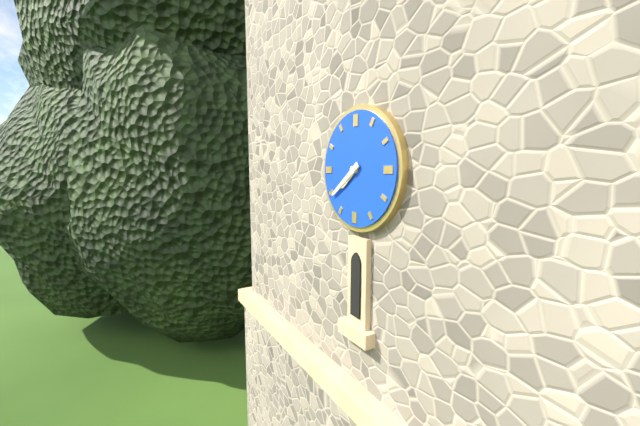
7:39
